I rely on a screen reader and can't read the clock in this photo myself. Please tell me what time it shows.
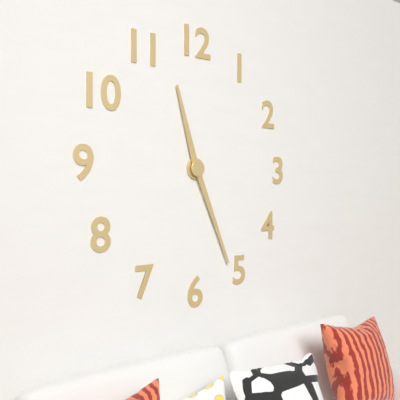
11:26
